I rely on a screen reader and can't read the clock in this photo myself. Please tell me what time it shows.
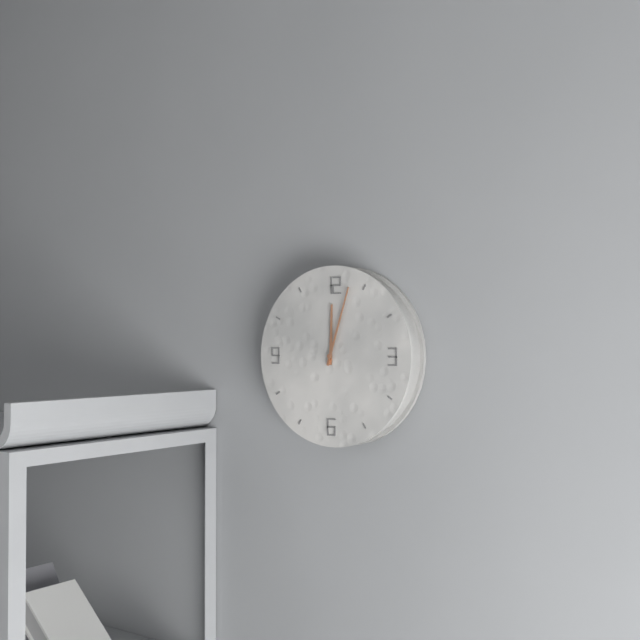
12:03
